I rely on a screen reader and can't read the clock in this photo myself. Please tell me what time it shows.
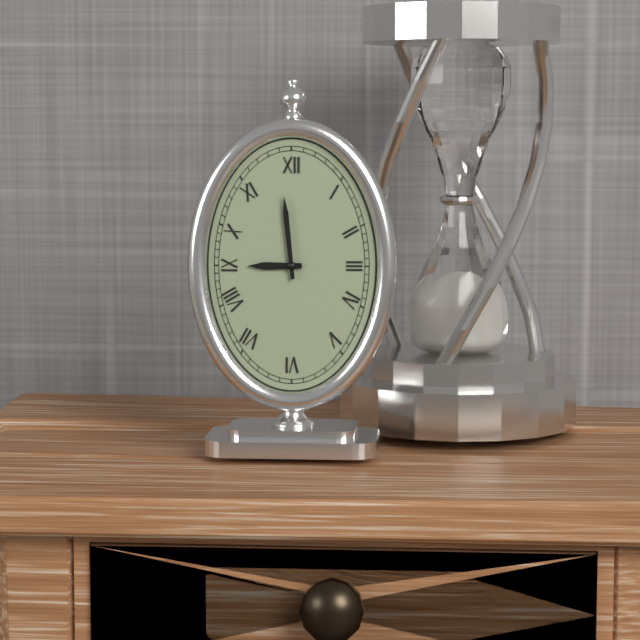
8:59
